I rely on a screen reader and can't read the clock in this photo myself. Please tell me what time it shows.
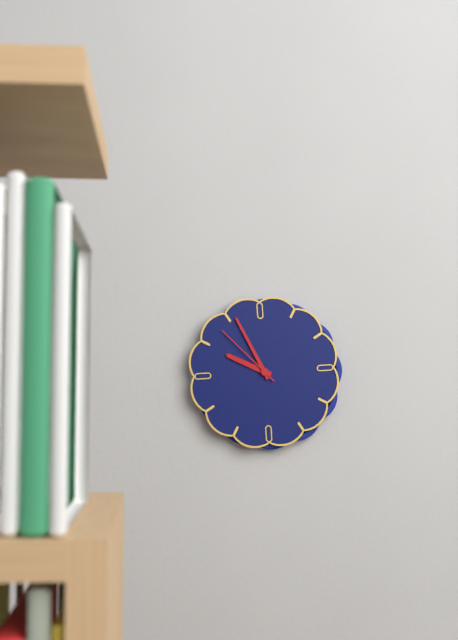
9:56:53
